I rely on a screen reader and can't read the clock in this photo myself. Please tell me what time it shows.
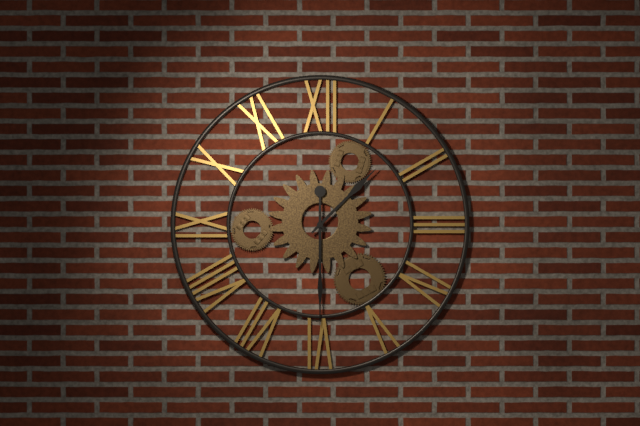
1:30
